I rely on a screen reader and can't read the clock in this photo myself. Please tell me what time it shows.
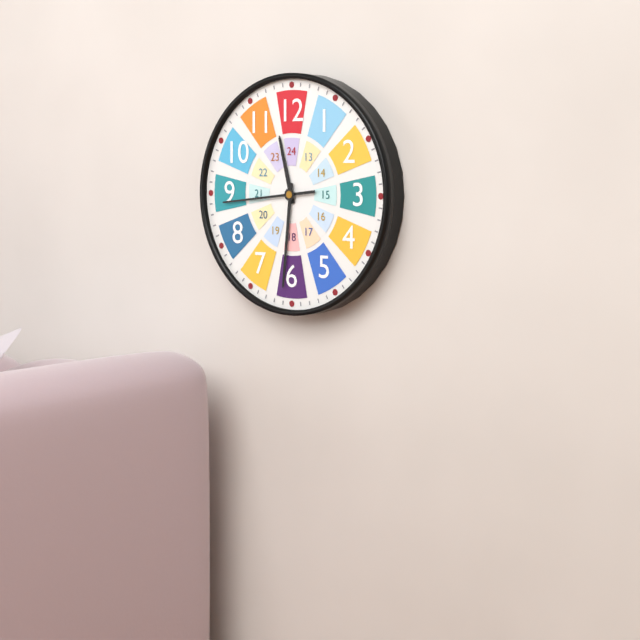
11:31:44
